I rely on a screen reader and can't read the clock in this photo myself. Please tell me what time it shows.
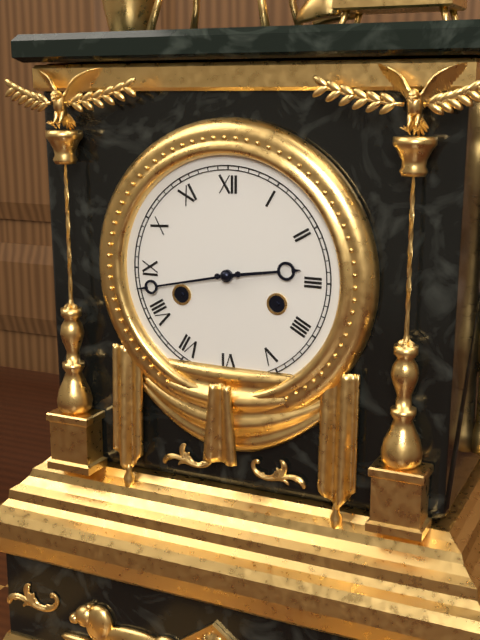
2:43
